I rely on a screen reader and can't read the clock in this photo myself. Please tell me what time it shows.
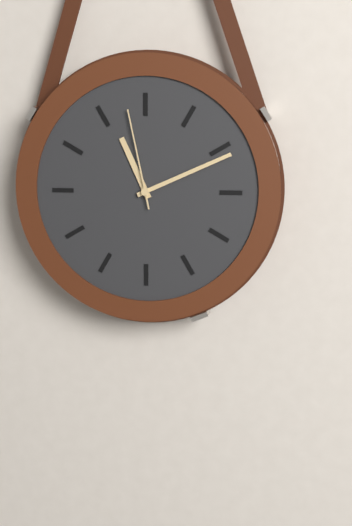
11:11:58
